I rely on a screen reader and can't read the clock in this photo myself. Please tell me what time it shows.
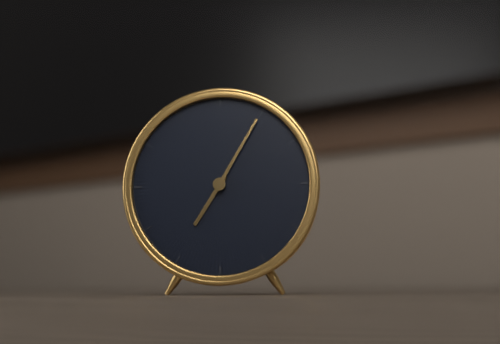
7:05
